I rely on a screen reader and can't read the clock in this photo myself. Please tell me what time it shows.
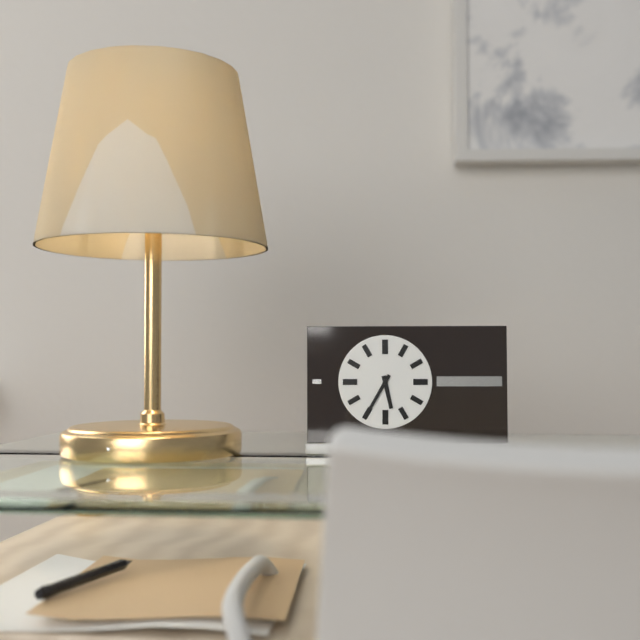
5:35
